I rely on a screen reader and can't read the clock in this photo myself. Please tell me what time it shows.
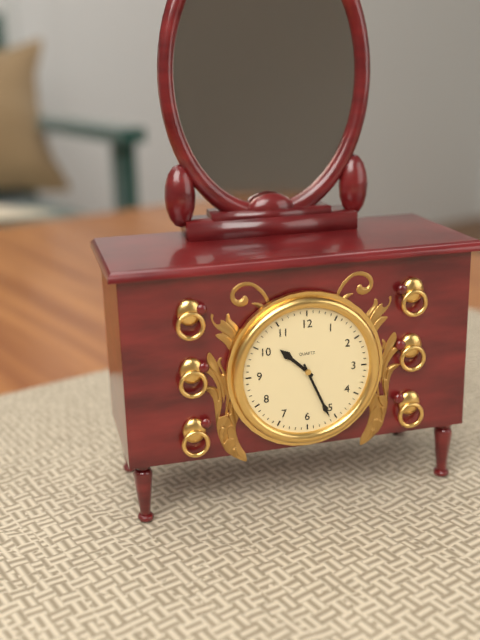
10:26
